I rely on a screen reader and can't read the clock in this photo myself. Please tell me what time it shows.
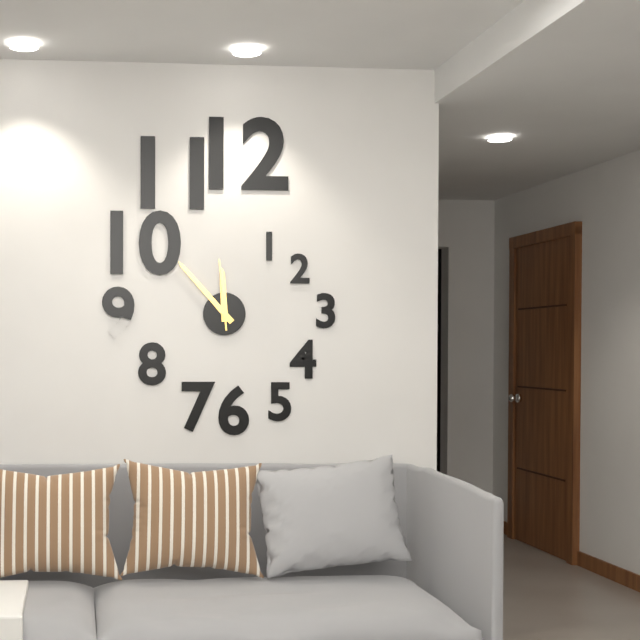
11:53:59
